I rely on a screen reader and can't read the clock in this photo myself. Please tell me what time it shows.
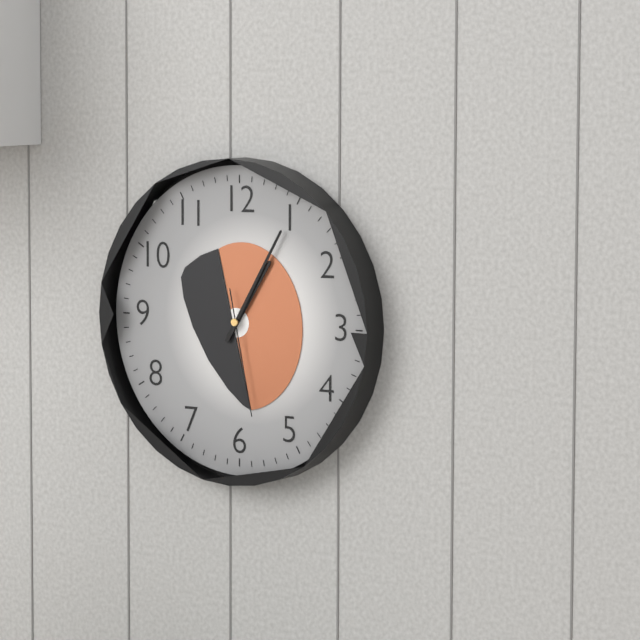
1:05:28
